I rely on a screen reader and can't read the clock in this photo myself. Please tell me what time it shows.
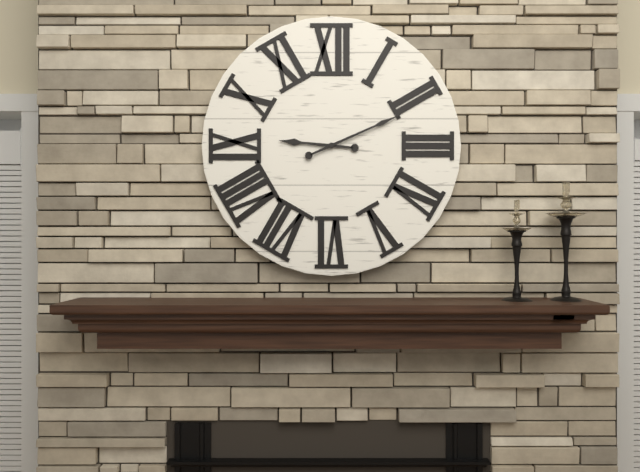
9:11
